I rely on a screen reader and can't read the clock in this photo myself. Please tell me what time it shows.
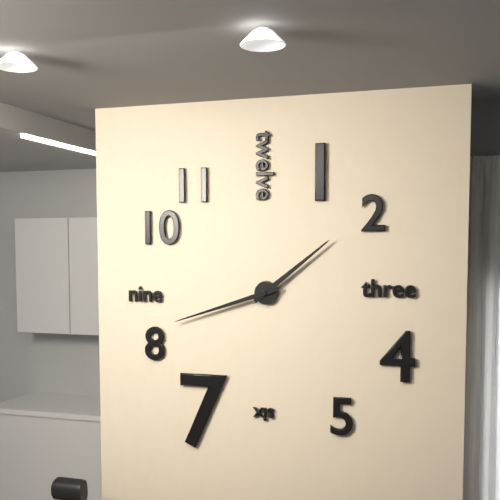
1:42
